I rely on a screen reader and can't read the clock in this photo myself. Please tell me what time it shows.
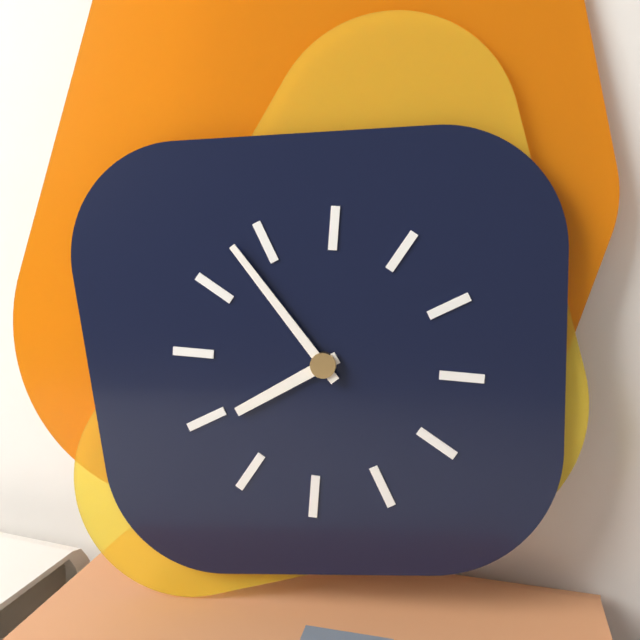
7:53
